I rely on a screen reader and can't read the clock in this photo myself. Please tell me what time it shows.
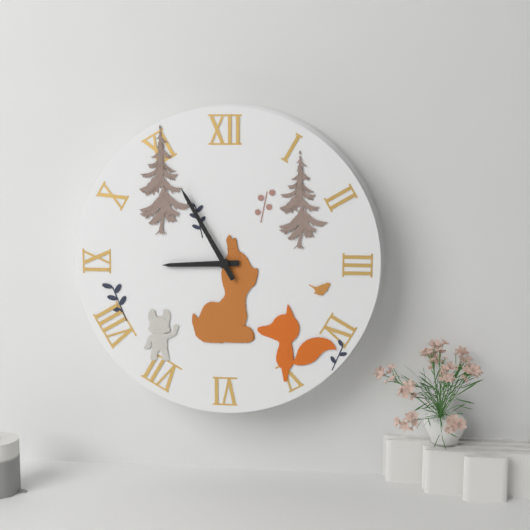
8:55
